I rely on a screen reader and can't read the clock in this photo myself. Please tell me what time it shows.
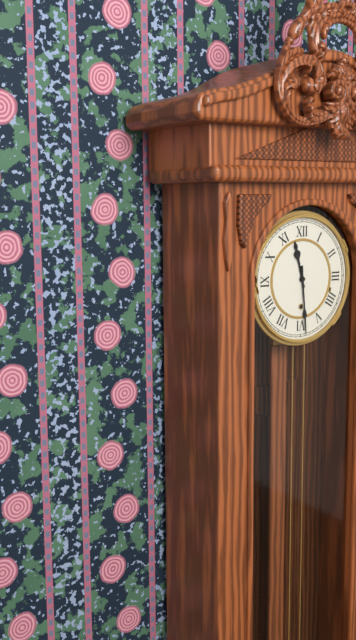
11:29
